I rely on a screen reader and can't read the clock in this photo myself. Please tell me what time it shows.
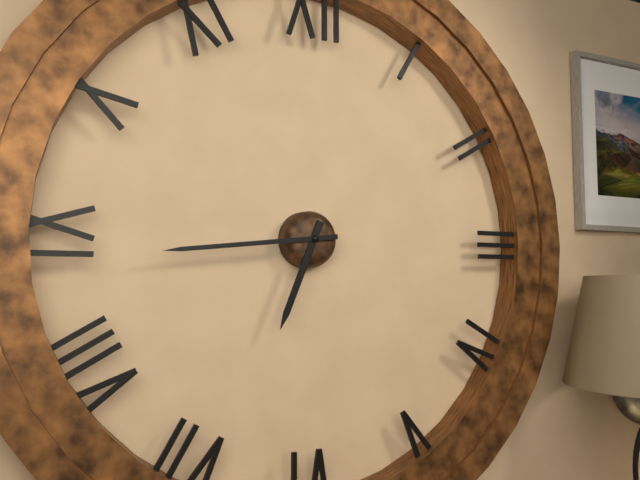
6:44
